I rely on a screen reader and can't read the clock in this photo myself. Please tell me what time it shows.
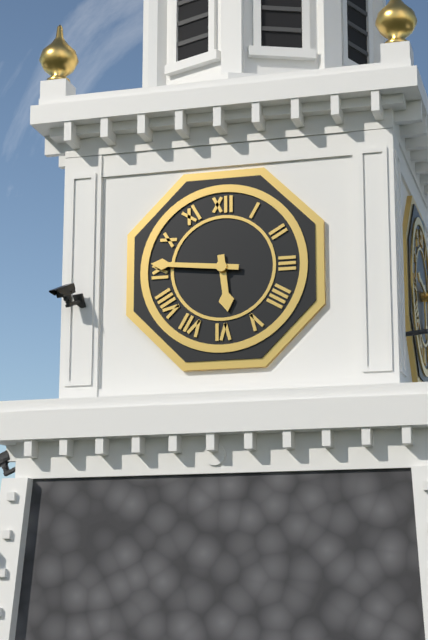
5:46
